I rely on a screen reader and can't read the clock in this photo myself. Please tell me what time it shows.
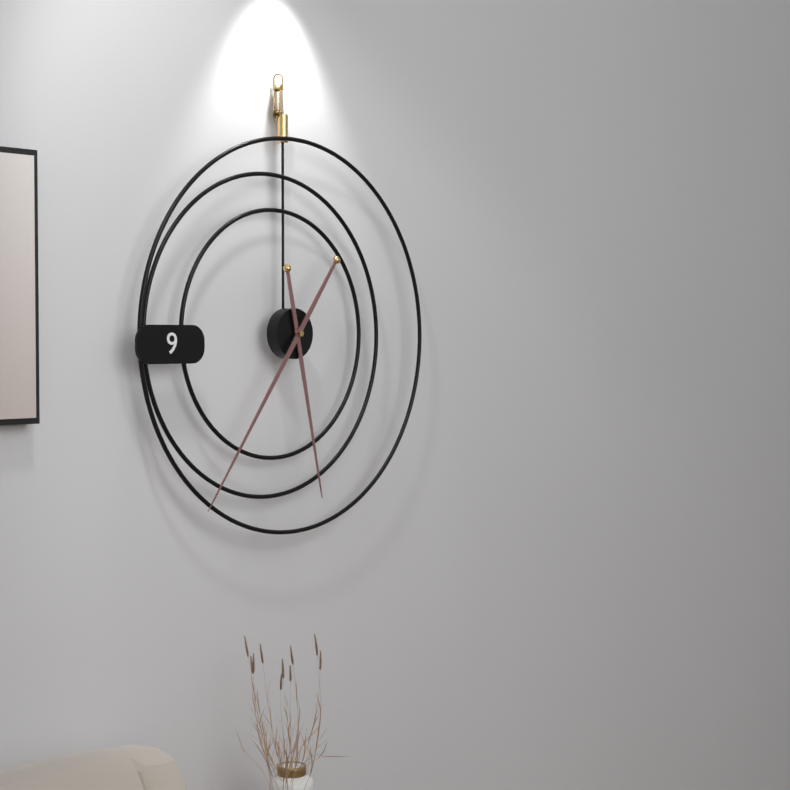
5:36
